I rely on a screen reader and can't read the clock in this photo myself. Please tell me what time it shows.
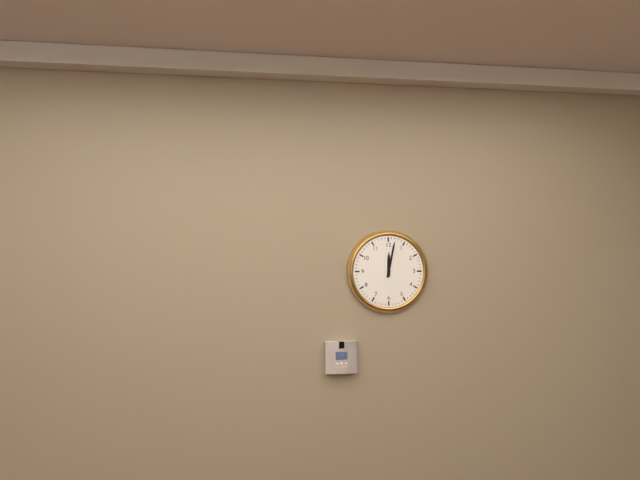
12:02
